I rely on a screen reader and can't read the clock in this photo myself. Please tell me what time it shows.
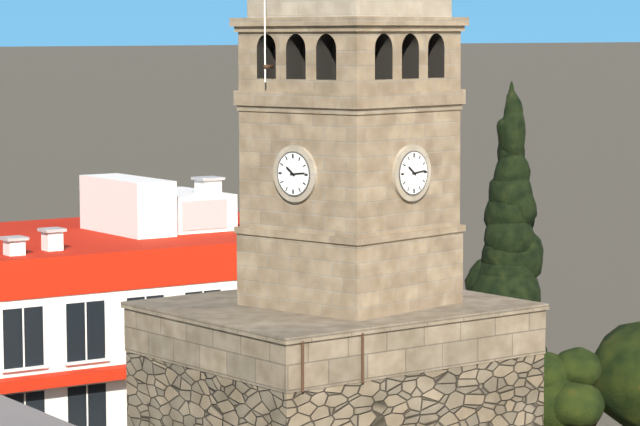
10:14
